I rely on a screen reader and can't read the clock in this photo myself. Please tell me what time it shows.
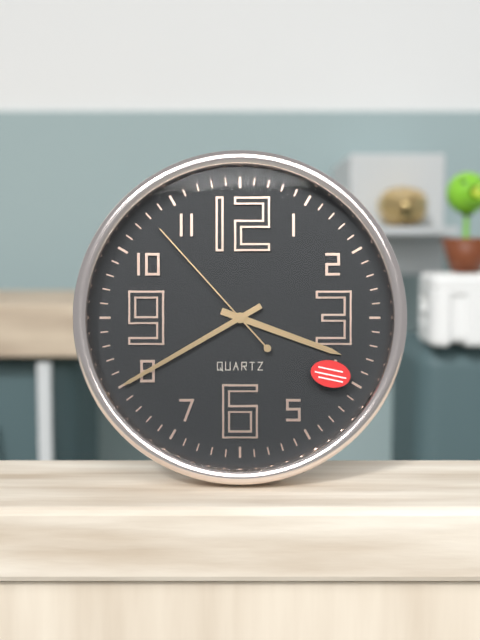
3:40:53
